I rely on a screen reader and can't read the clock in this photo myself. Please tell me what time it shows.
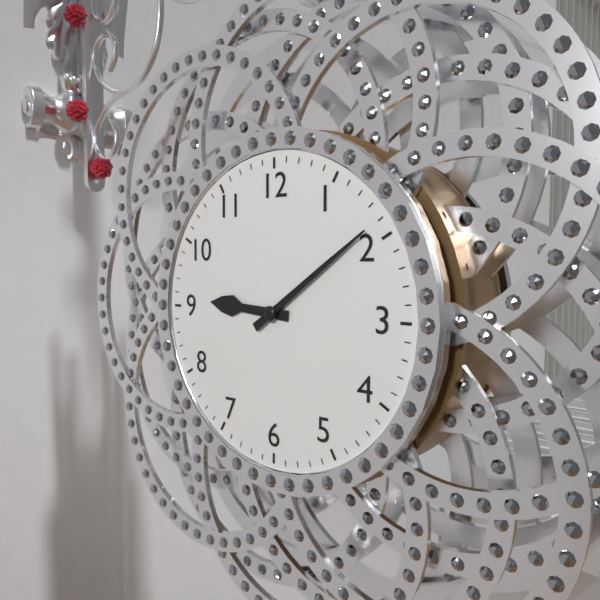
9:09
